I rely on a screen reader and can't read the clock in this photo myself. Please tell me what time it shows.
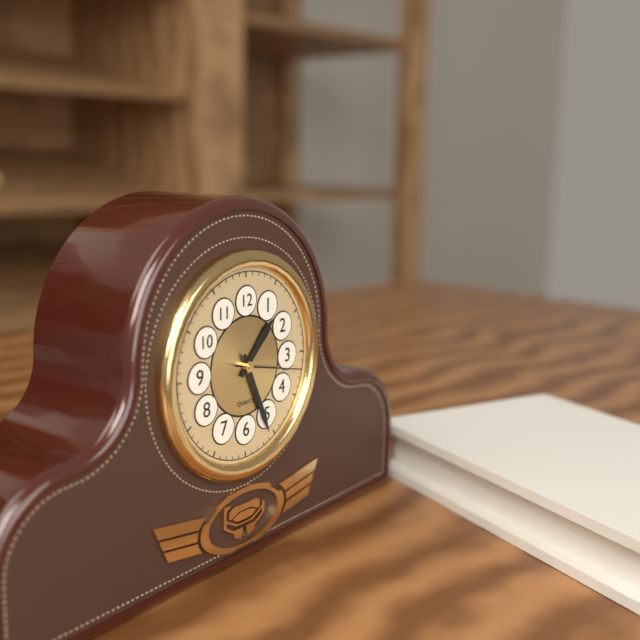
1:26:17
